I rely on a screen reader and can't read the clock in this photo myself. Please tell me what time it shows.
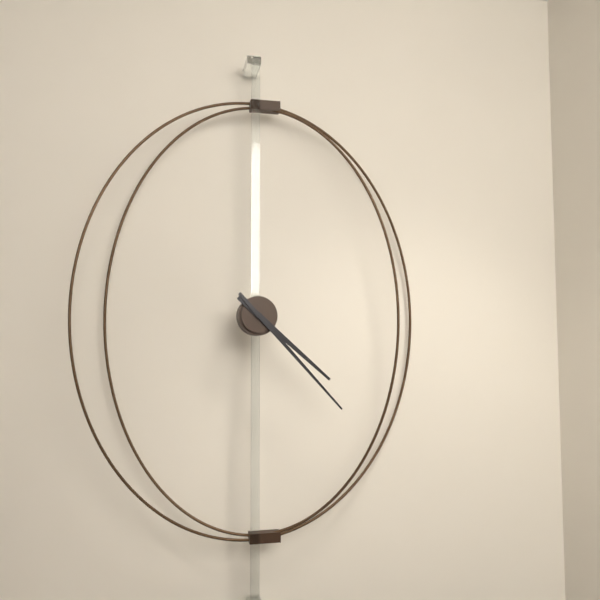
4:23
